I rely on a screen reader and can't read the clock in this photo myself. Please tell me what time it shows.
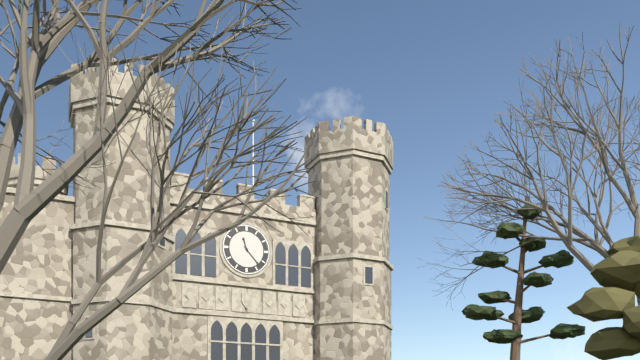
11:23
